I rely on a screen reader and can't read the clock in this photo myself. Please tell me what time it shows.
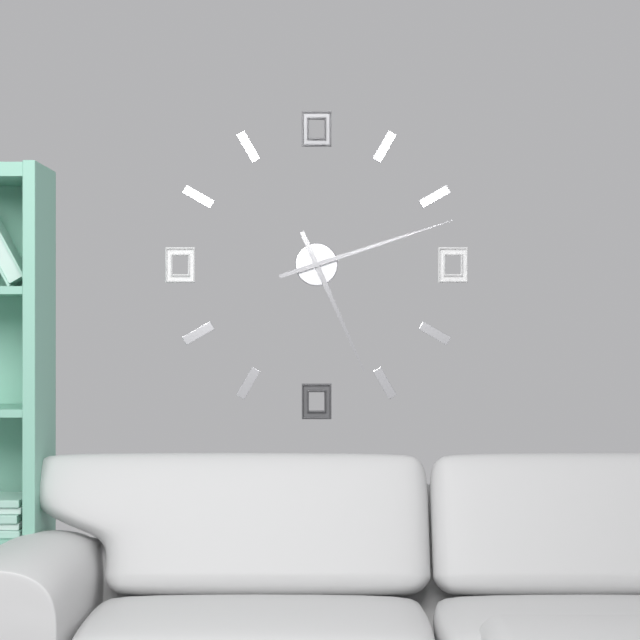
5:12
